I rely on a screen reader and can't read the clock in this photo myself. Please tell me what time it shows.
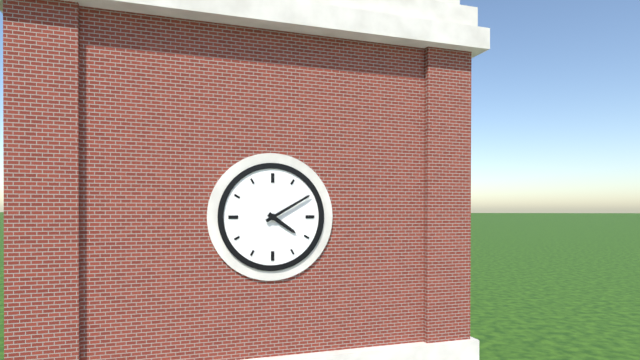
4:10
